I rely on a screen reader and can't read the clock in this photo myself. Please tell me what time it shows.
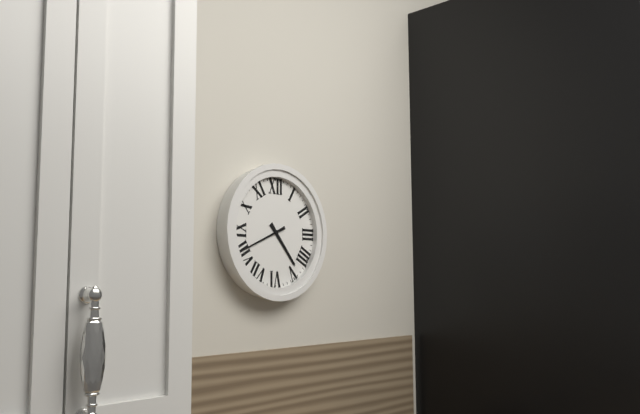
4:41
